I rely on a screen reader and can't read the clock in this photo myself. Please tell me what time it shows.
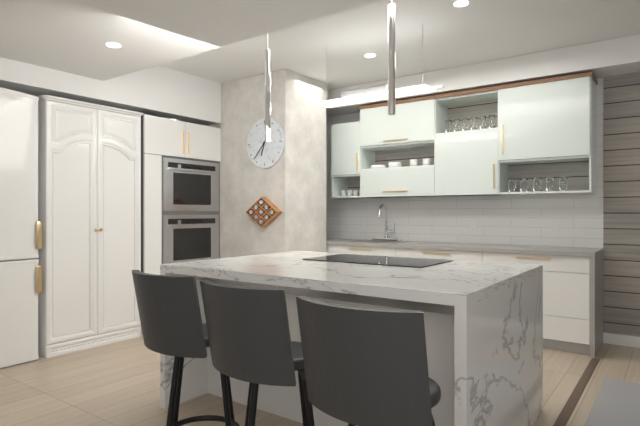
6:37
